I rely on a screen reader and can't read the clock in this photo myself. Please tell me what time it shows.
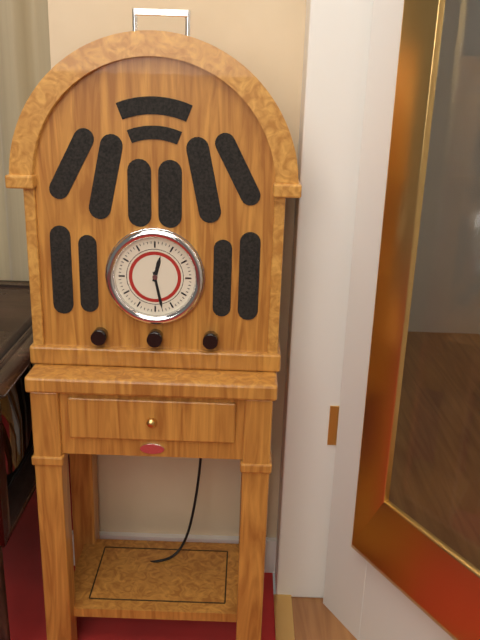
12:28
